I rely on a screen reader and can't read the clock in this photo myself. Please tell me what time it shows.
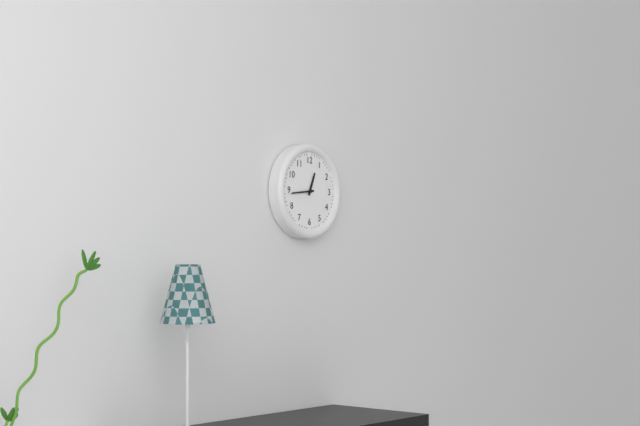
12:44
